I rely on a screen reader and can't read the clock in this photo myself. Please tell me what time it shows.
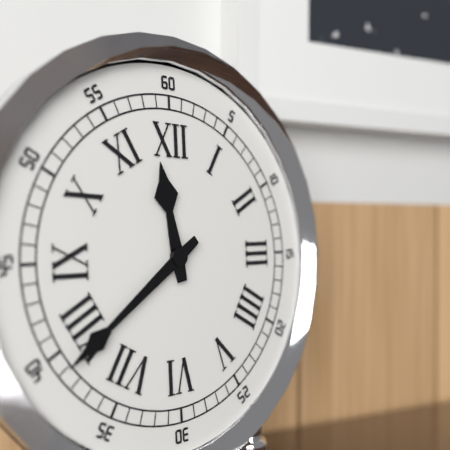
11:39
